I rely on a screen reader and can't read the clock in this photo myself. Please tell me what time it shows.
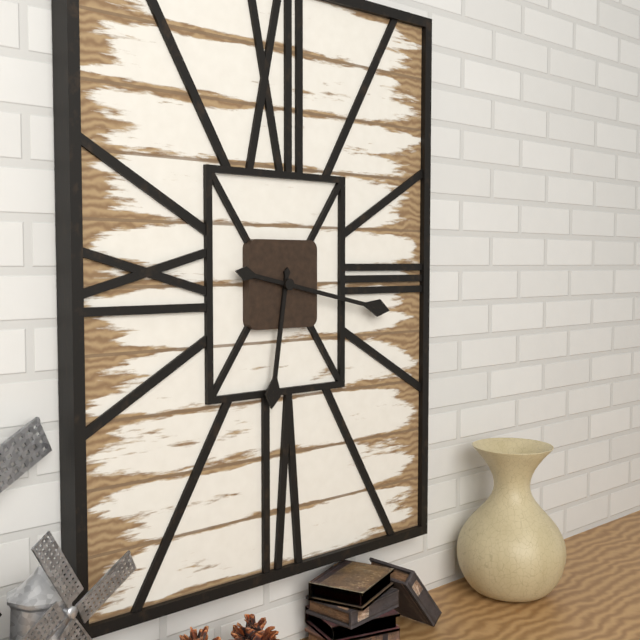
6:17
